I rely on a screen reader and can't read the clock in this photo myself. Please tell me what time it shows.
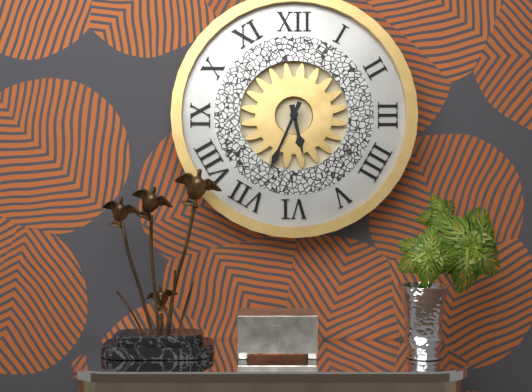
5:34
